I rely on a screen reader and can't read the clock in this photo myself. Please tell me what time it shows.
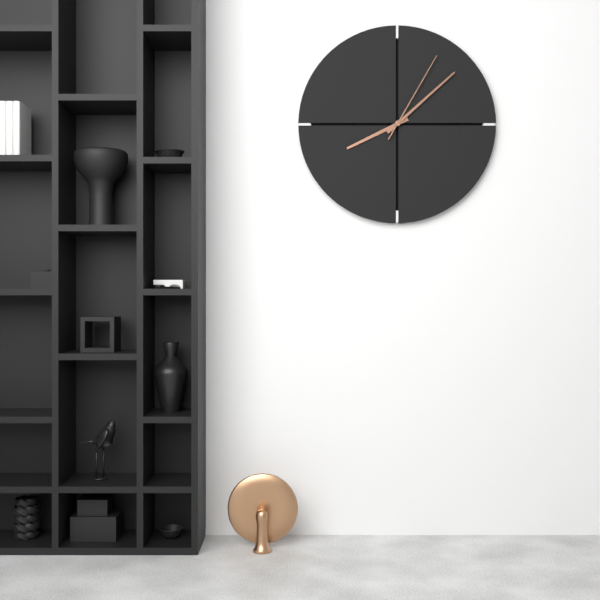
8:08:05
